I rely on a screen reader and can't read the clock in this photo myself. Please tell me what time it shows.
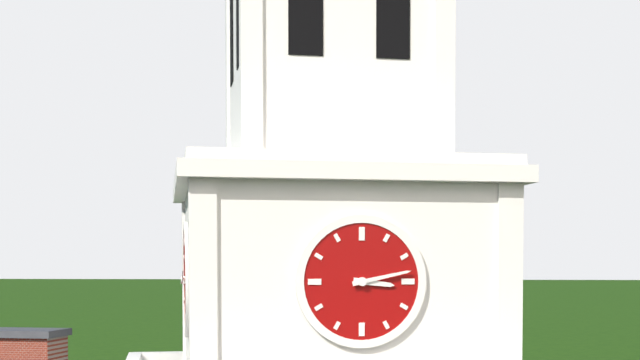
3:13
